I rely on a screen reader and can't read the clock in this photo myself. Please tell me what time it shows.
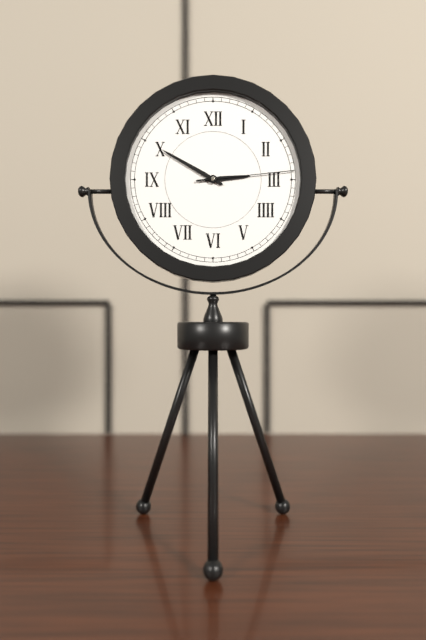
2:50:14
